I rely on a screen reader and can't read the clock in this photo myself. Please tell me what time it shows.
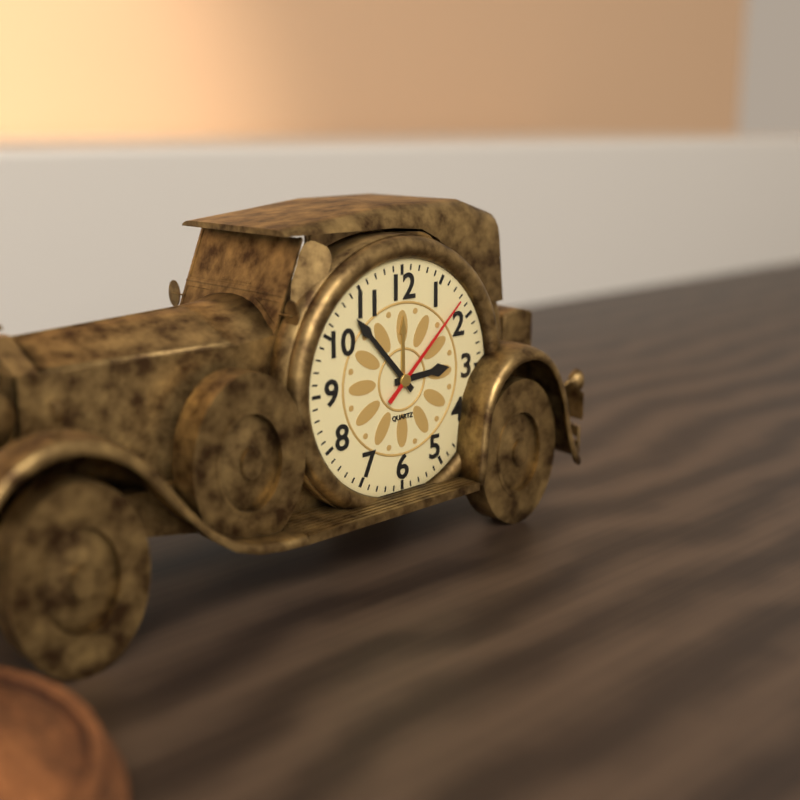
2:53:08
